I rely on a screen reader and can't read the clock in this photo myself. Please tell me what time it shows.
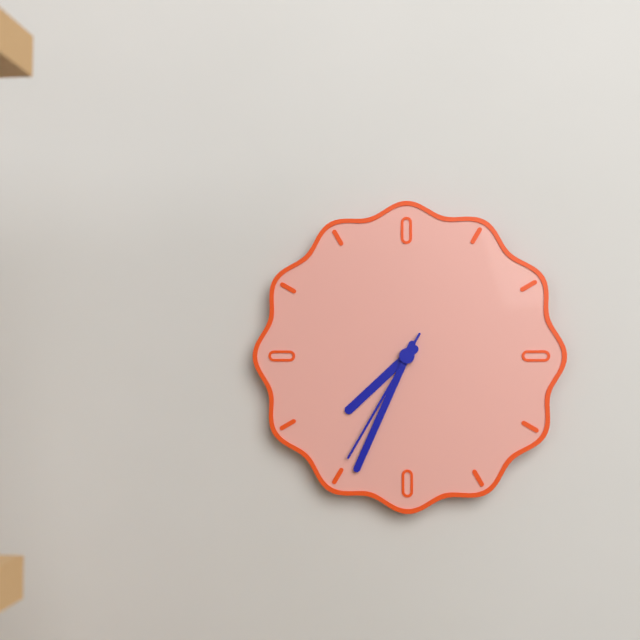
7:34:35
